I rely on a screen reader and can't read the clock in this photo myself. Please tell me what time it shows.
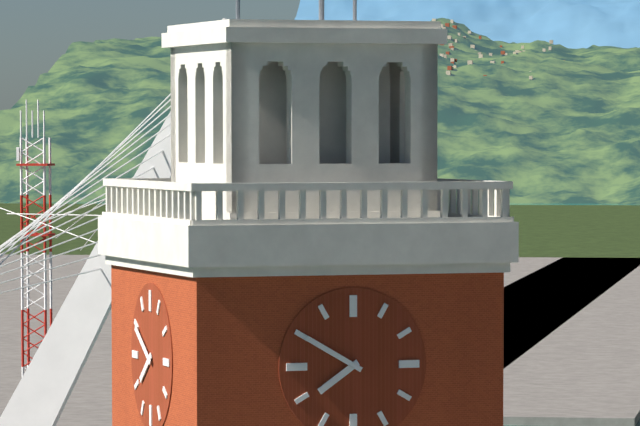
7:50
